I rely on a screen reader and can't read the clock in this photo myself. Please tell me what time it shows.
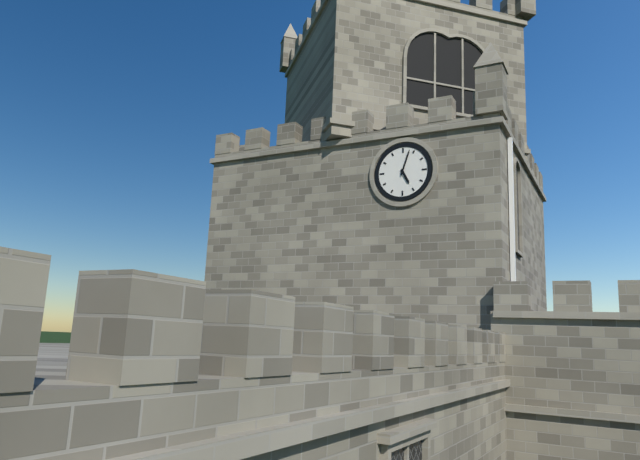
5:03
